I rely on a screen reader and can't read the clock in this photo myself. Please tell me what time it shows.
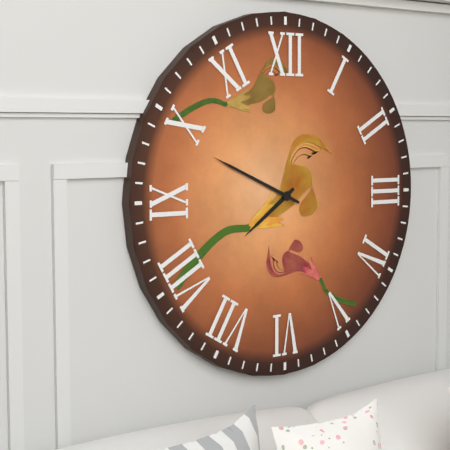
7:49
